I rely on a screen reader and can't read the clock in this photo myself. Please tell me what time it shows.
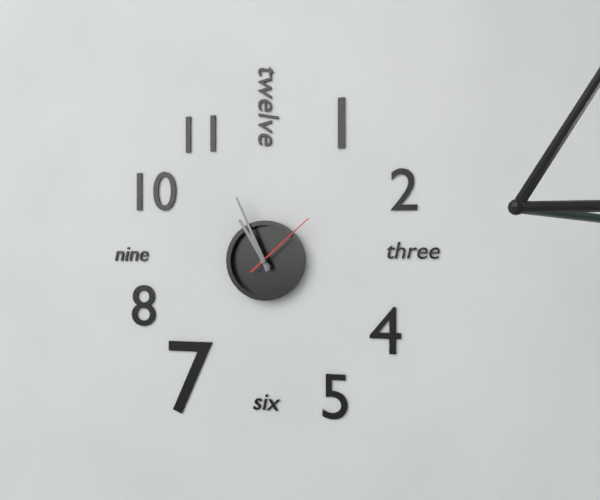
10:56:08
